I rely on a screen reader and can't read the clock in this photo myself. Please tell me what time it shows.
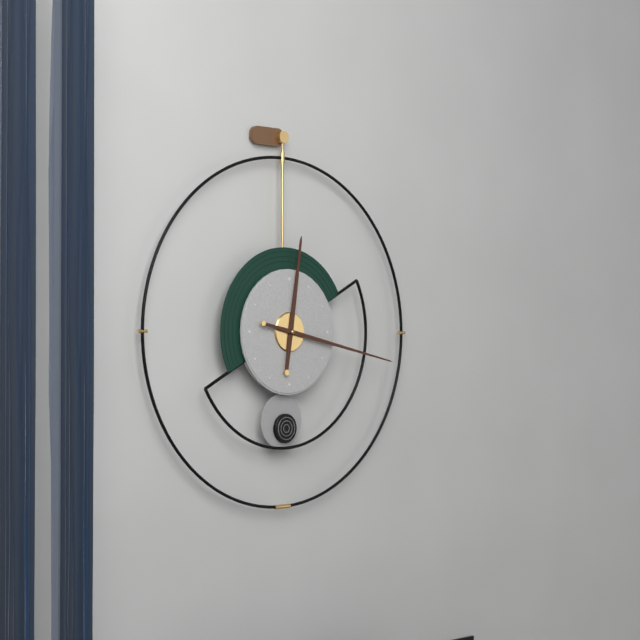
12:17
